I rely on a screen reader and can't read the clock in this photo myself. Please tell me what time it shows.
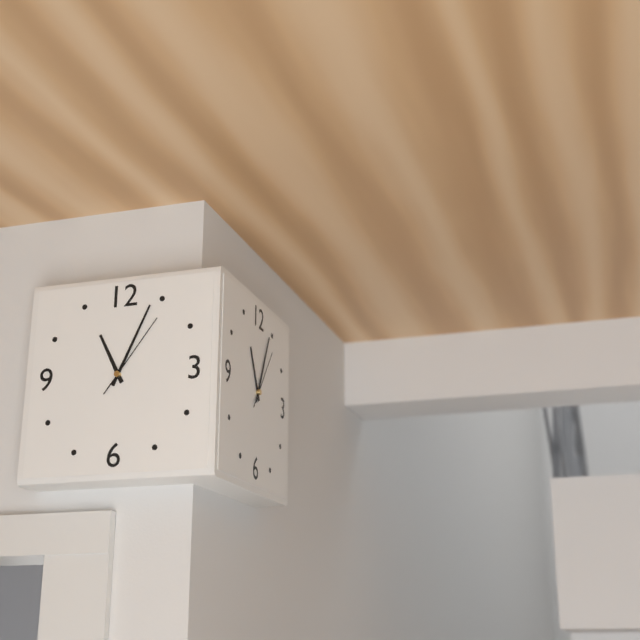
11:04:06
